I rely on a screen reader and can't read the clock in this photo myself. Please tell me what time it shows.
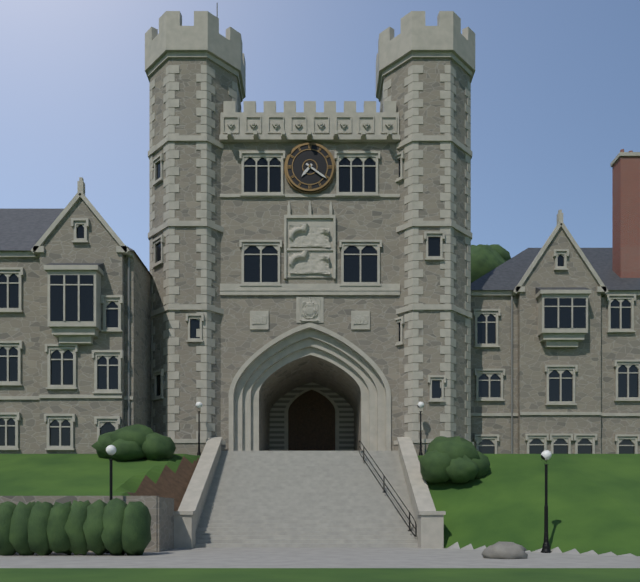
7:21
